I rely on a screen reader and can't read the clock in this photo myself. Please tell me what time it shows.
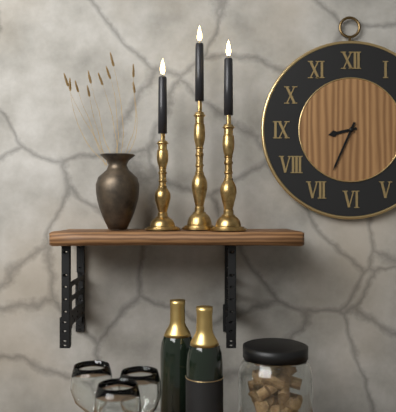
8:34
